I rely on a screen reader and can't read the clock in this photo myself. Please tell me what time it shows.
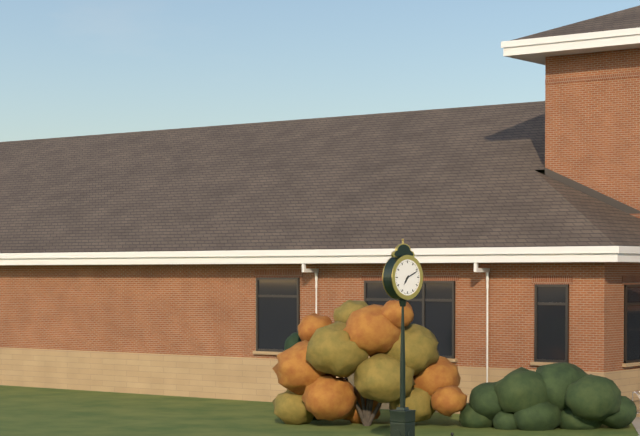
7:11
